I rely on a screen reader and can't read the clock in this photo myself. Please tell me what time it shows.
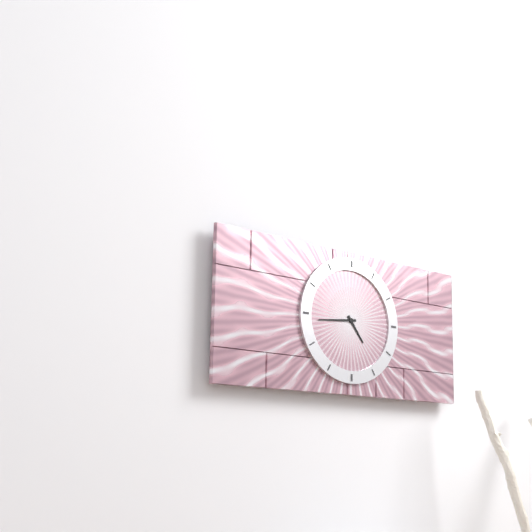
4:44
